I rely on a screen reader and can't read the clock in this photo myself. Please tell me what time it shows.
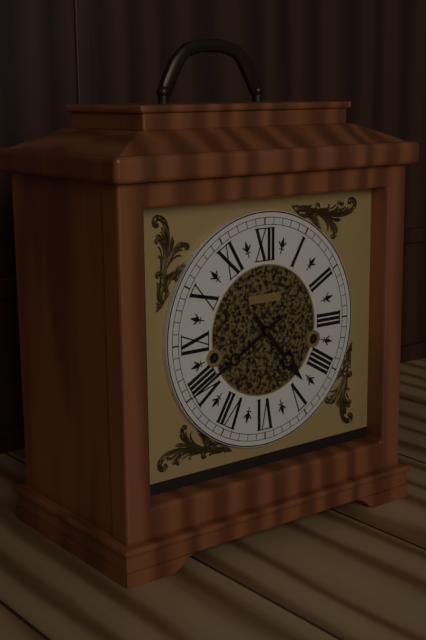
4:40
